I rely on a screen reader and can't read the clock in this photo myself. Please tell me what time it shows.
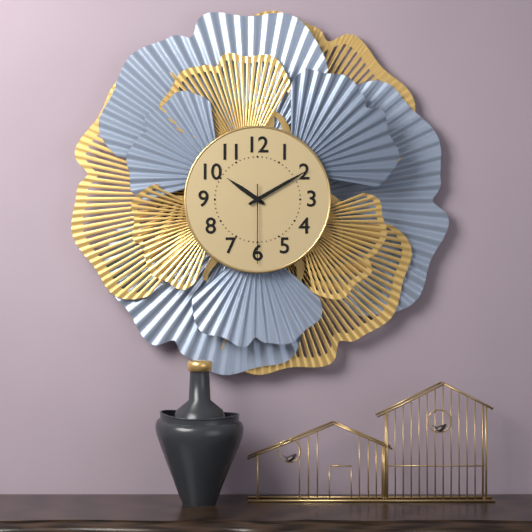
10:10:30
